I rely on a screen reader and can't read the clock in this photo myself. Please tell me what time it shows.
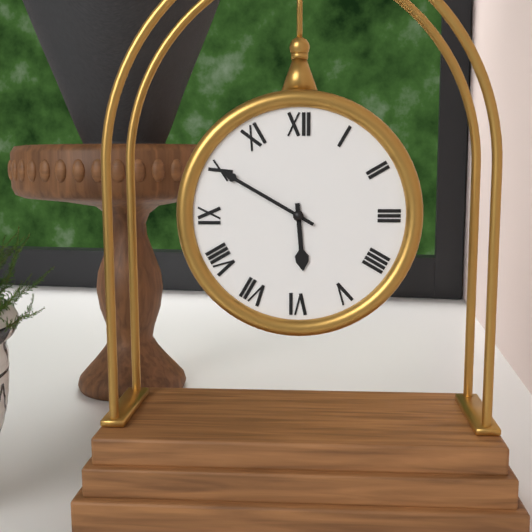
5:50
